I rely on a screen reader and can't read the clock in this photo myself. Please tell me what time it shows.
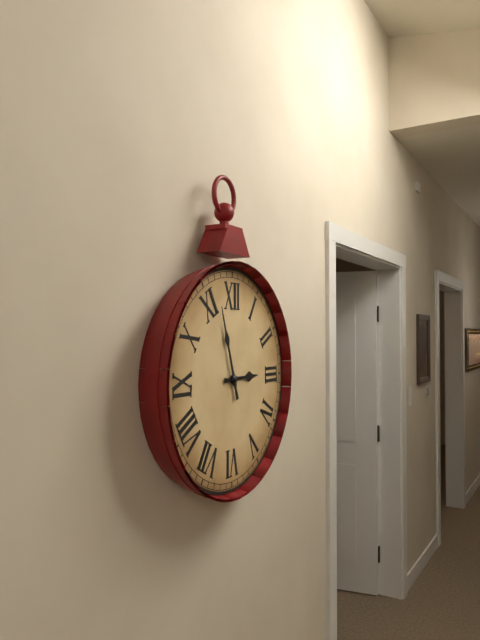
2:57
